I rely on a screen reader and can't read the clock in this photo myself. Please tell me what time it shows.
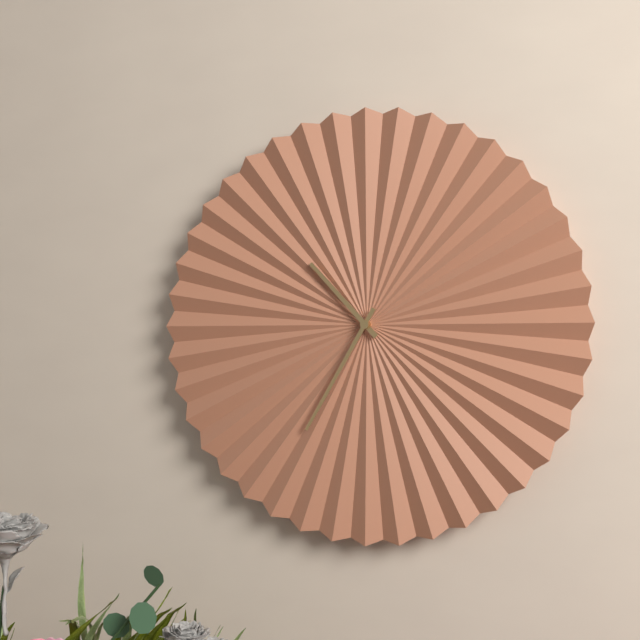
10:35
